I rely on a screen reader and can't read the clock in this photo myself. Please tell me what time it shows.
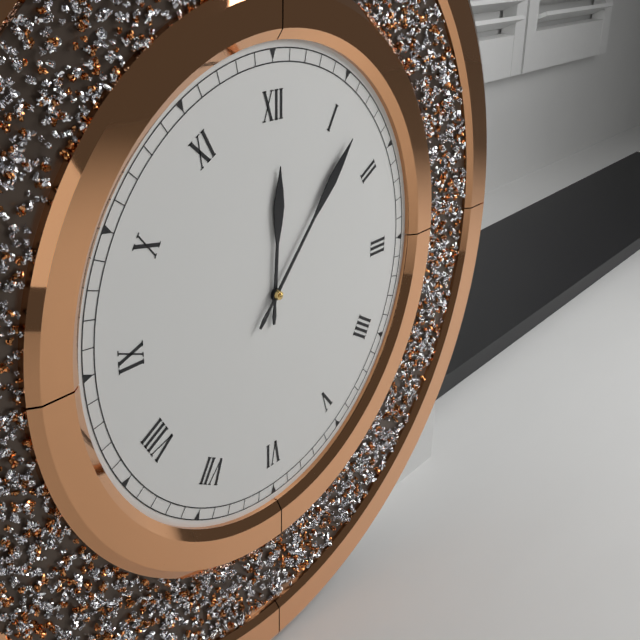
12:07
